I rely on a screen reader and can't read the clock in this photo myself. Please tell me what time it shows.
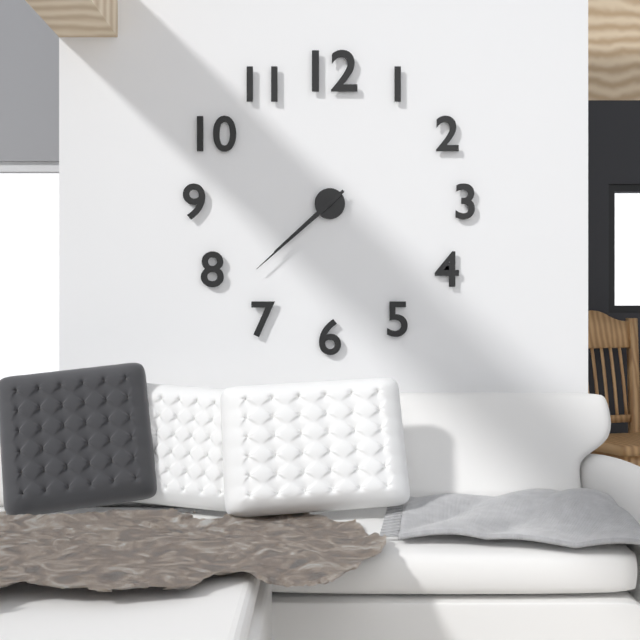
7:38
